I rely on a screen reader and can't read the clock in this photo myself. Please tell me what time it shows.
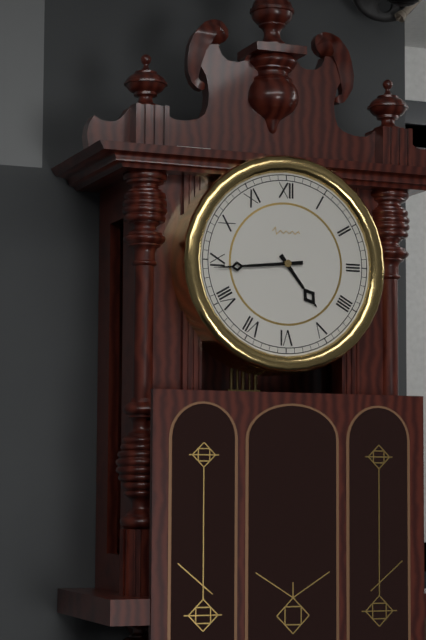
4:44
